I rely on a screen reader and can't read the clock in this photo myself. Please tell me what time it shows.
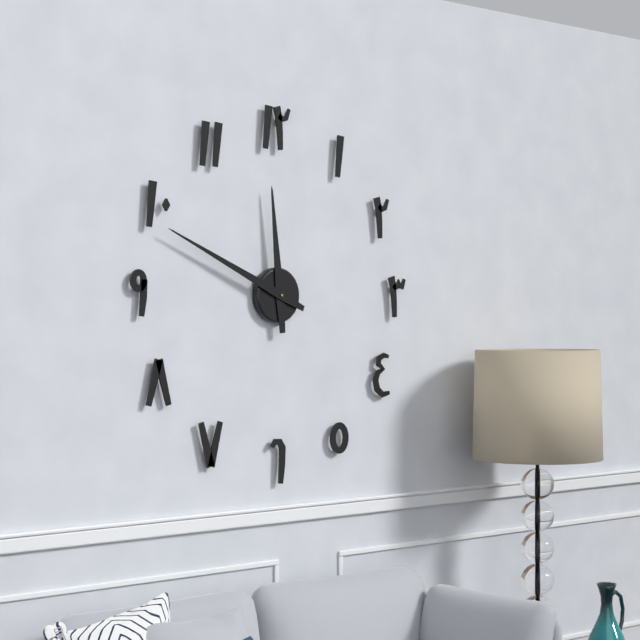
11:49
